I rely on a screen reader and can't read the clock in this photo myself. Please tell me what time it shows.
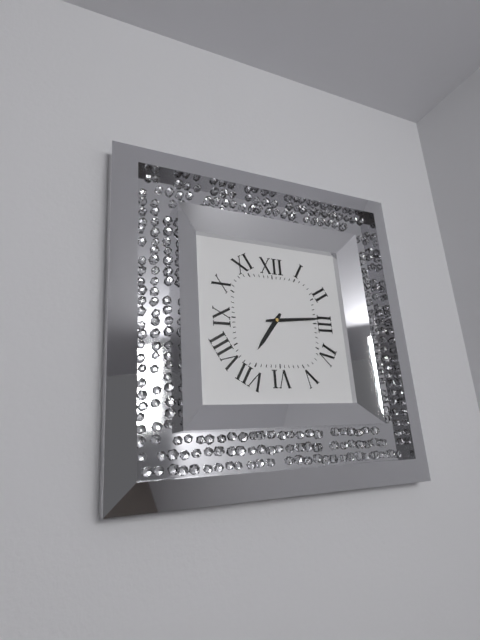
7:14
